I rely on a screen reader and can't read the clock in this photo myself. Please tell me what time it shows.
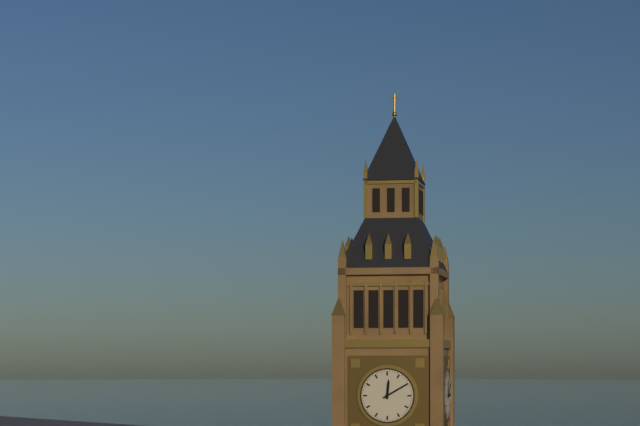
12:10
